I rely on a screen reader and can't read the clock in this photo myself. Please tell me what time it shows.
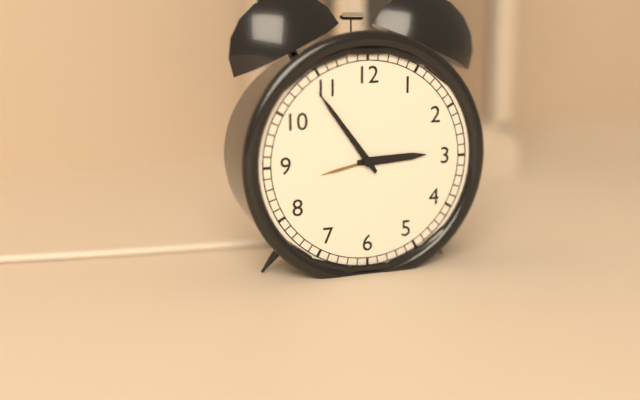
2:54
